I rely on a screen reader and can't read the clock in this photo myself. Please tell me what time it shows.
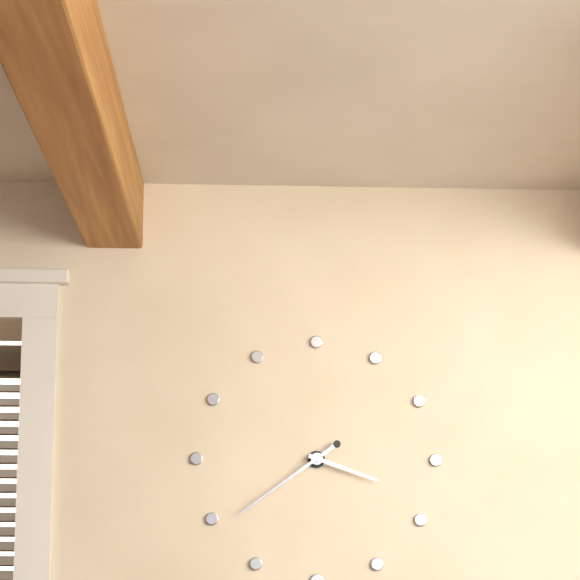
3:39
